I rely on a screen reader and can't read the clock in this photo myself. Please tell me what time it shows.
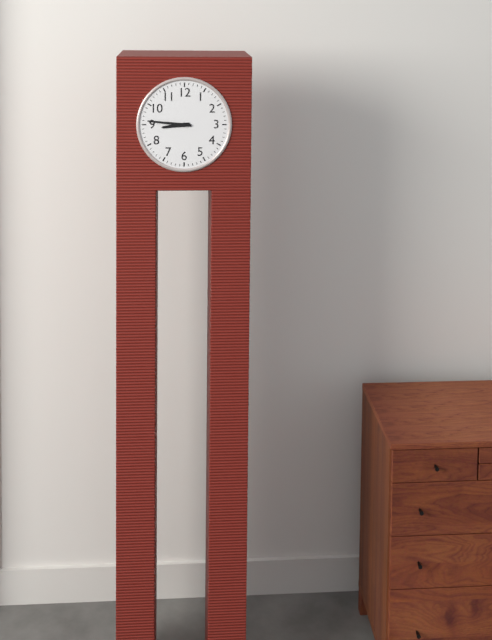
8:46
